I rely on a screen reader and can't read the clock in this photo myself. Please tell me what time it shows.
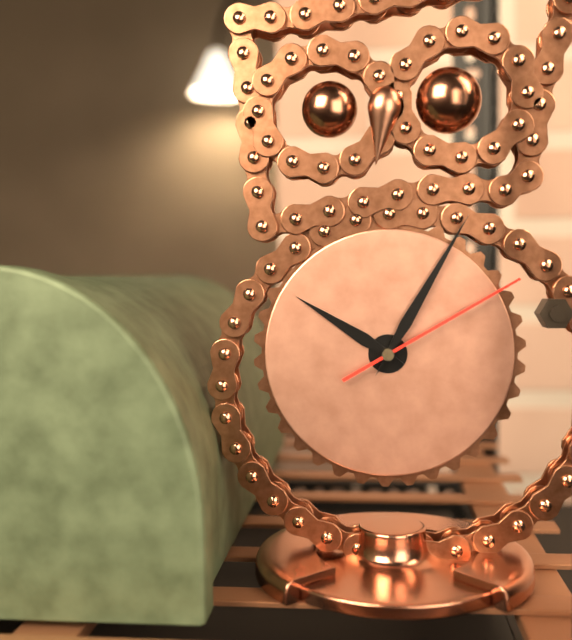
10:05:10
